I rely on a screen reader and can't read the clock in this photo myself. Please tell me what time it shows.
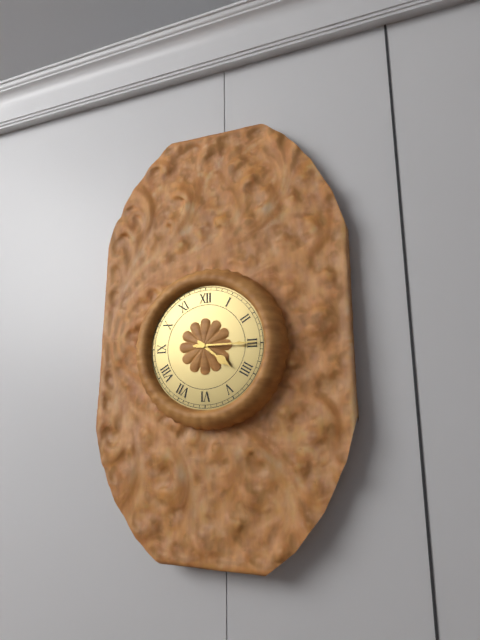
4:15
